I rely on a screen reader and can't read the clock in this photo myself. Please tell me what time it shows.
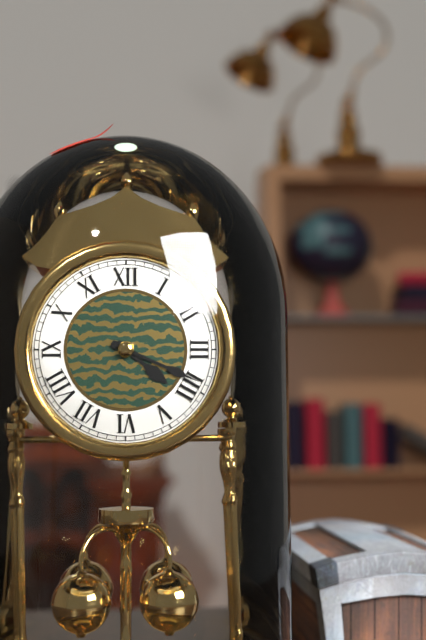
4:19
